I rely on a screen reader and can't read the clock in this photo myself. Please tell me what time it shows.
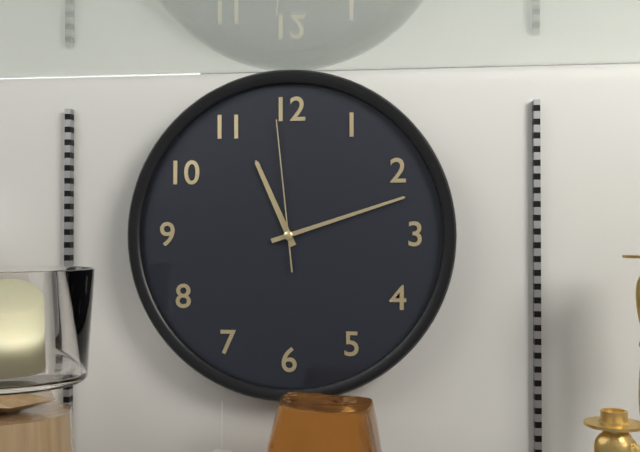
11:12:59
